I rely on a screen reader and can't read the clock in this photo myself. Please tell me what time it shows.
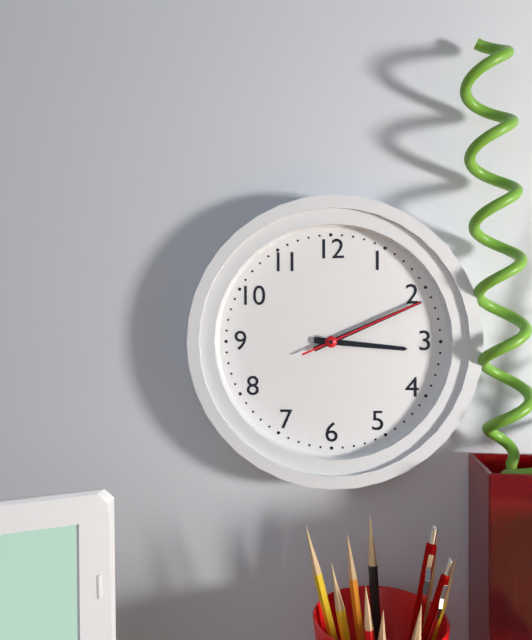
3:11:11
